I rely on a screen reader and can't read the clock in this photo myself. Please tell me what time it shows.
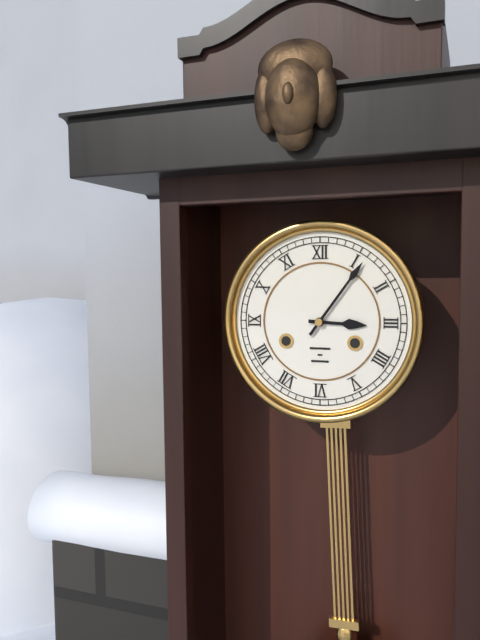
3:06
